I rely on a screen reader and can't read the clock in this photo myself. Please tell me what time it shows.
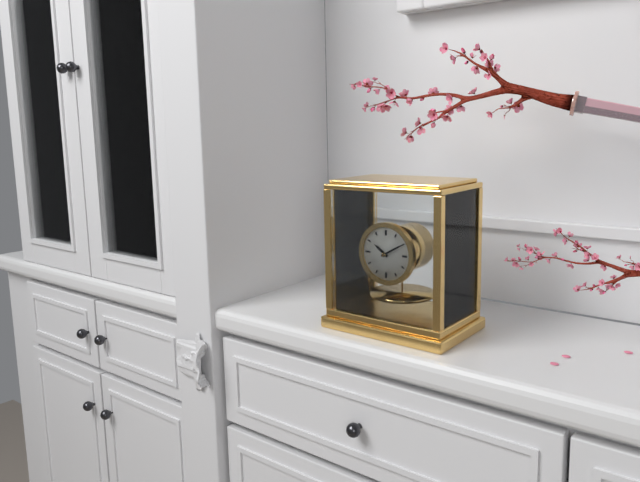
10:10
